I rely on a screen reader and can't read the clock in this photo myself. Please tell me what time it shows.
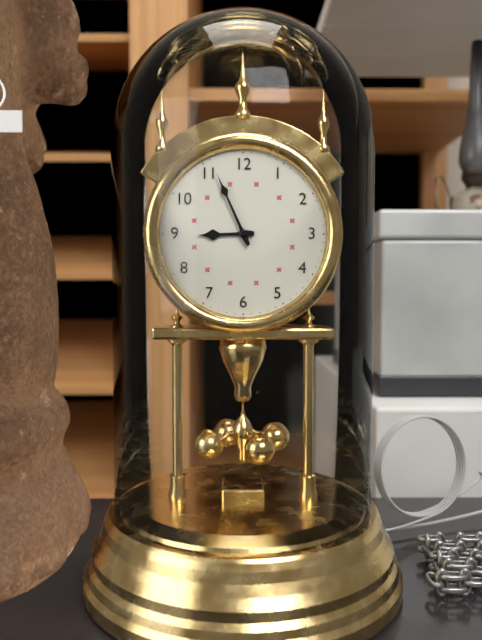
8:56
